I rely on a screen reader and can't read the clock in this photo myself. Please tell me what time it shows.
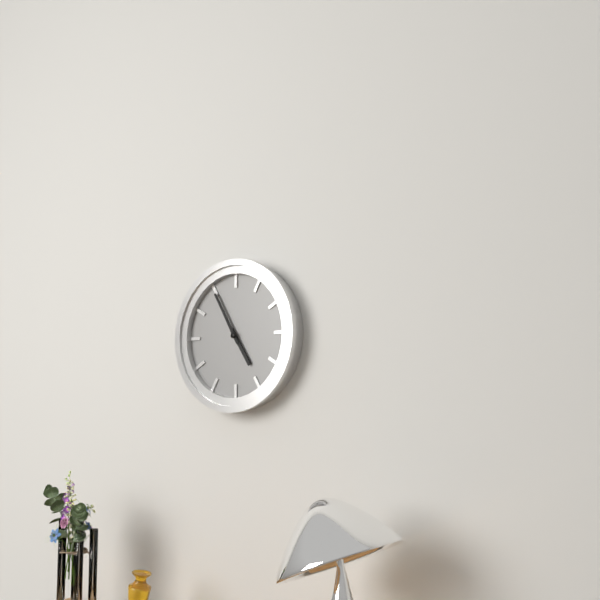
4:55
